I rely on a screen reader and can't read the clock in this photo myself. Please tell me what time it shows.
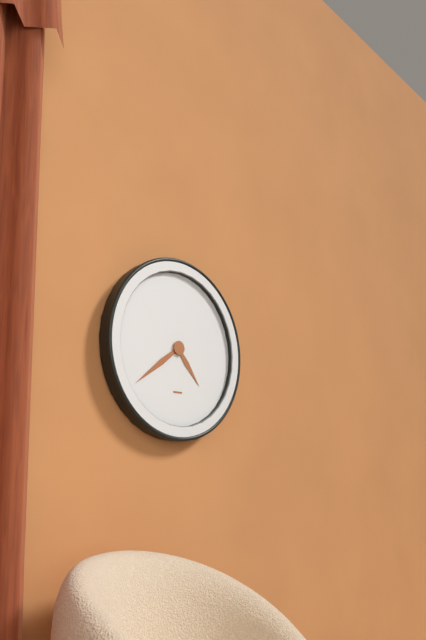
4:39
